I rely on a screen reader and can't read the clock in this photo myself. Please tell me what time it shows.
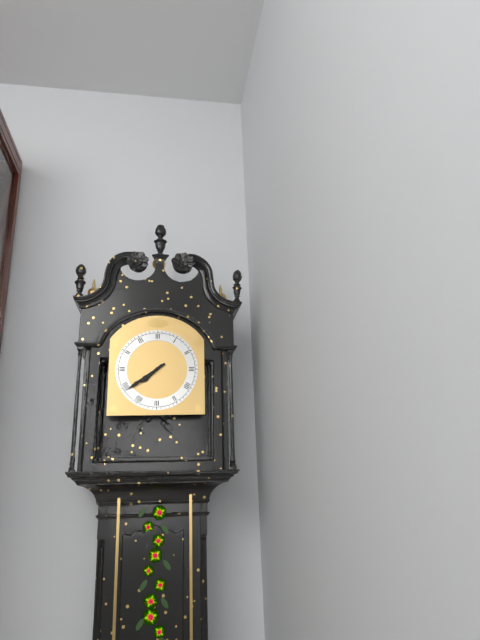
7:39
